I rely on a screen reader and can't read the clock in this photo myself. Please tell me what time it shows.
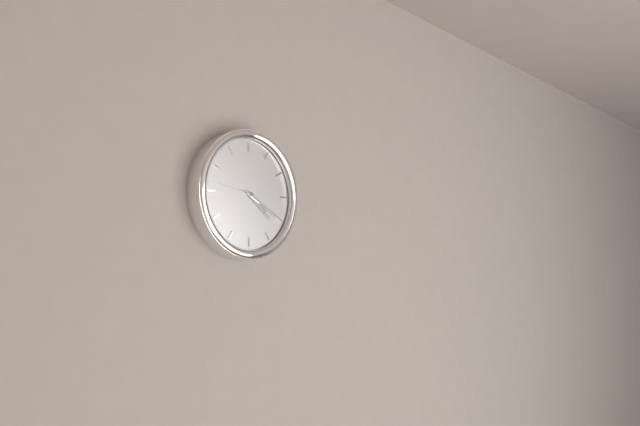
4:20
